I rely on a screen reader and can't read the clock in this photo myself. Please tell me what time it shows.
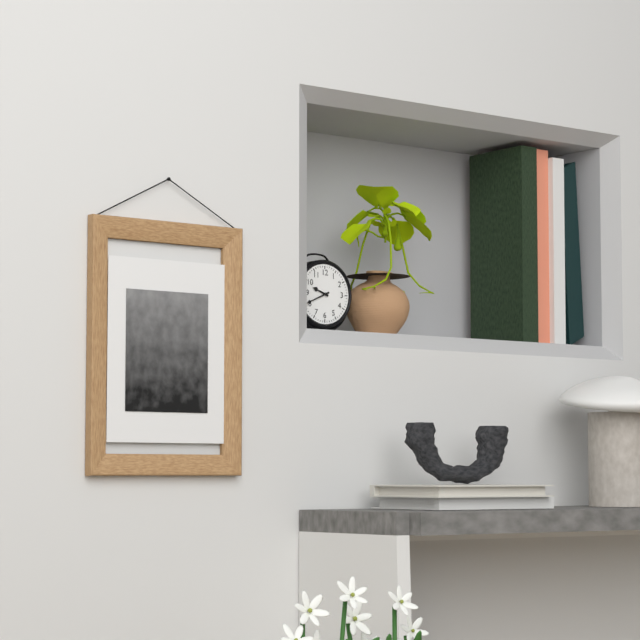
9:41
